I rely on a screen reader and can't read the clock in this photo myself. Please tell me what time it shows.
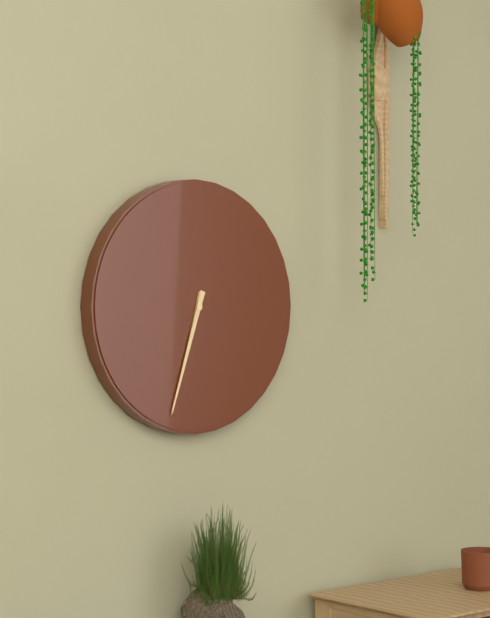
6:33
